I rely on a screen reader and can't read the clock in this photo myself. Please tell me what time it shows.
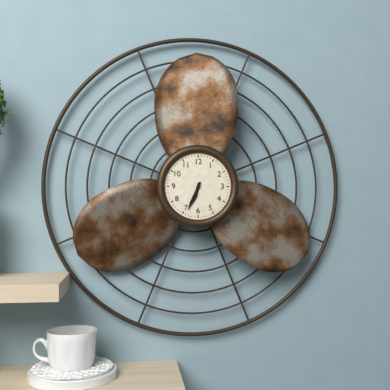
6:34
